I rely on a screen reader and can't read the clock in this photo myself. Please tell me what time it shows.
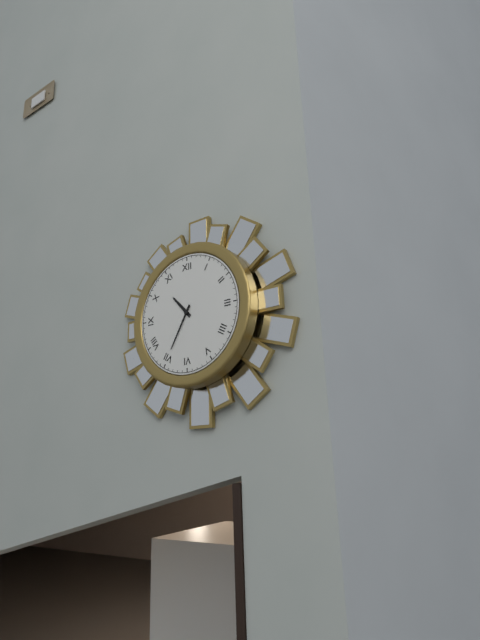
10:35
